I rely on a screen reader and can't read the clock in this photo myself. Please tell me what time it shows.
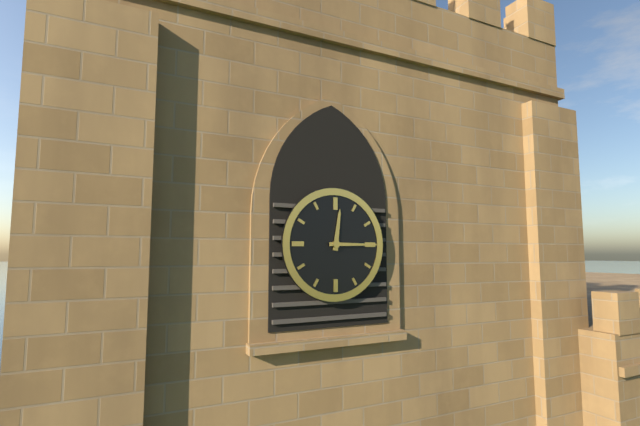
12:15
